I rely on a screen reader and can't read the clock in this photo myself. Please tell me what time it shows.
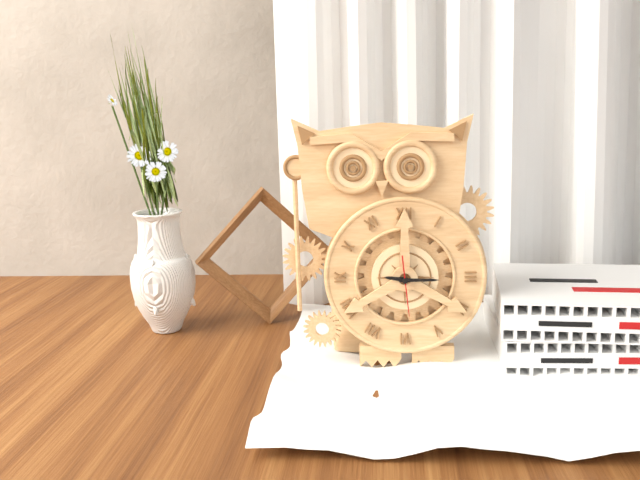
9:15
